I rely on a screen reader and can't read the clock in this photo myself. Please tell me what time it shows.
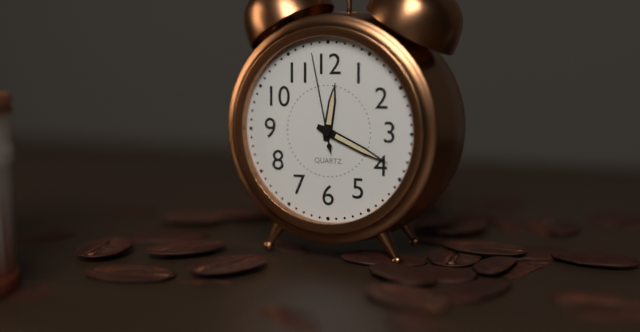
12:19:58
